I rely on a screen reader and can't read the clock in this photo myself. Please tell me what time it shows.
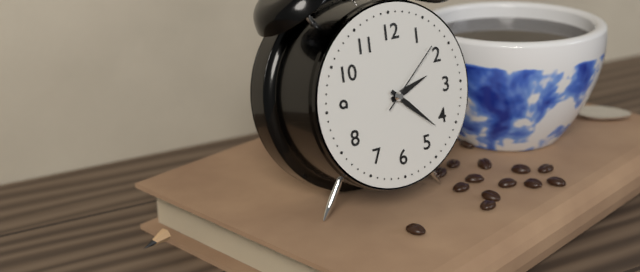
2:22:08
